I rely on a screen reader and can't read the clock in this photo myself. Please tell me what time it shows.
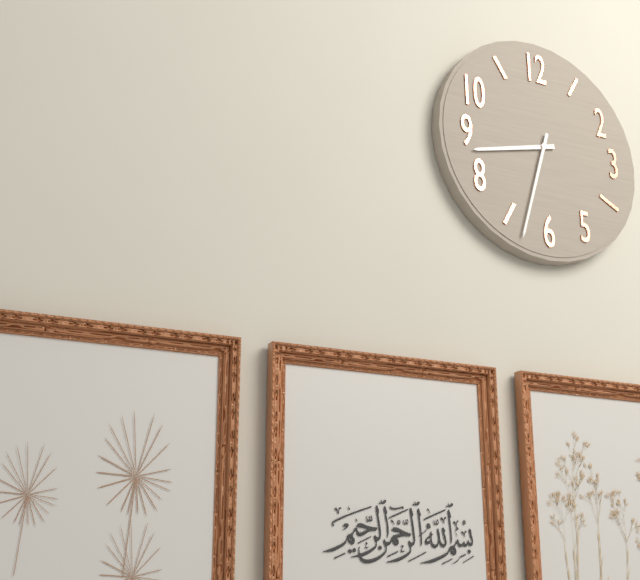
8:33
